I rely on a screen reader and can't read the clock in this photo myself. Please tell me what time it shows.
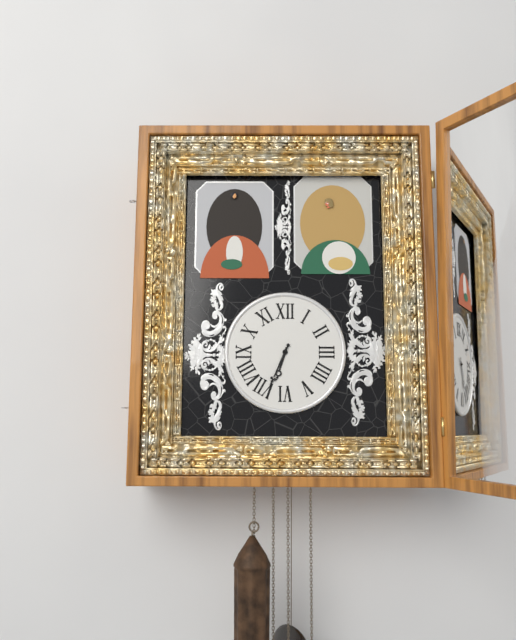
6:34
